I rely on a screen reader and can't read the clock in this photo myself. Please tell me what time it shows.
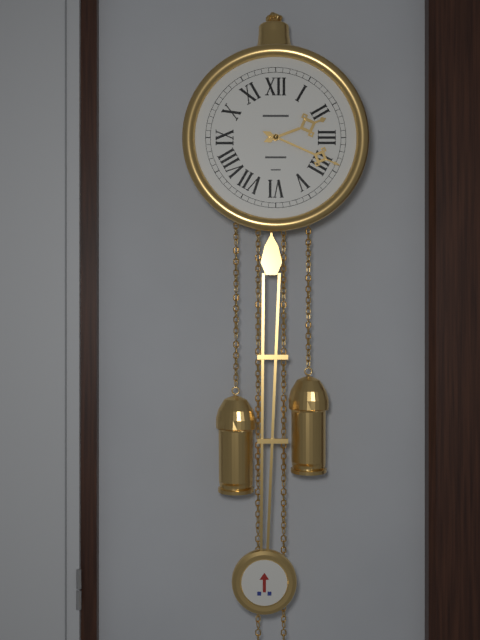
2:19
